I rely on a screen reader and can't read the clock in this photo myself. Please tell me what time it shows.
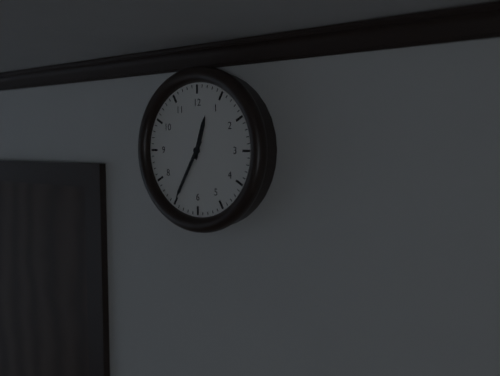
12:35
